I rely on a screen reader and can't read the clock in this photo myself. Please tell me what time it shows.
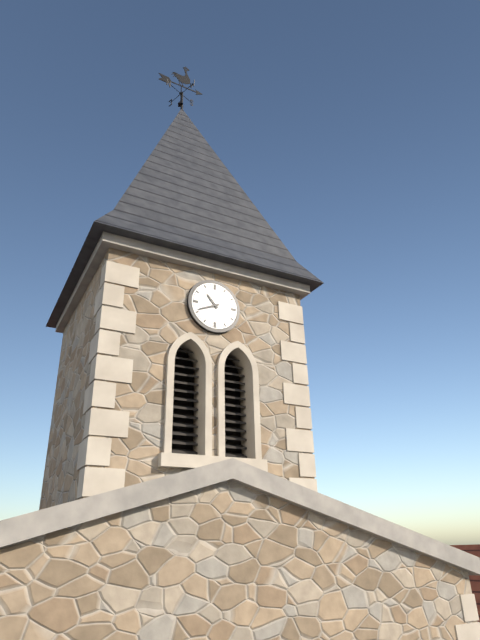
10:41
